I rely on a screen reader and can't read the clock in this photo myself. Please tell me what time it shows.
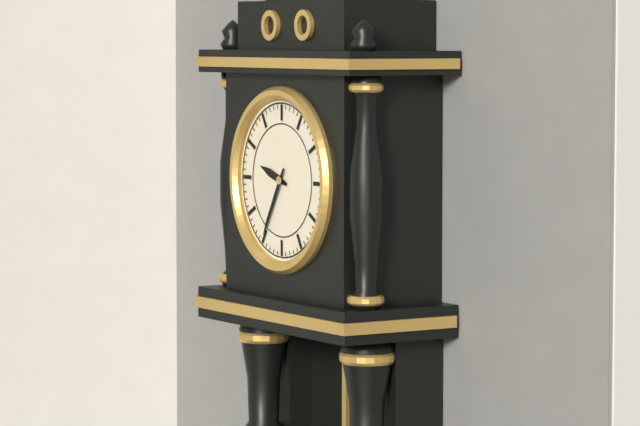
9:35
